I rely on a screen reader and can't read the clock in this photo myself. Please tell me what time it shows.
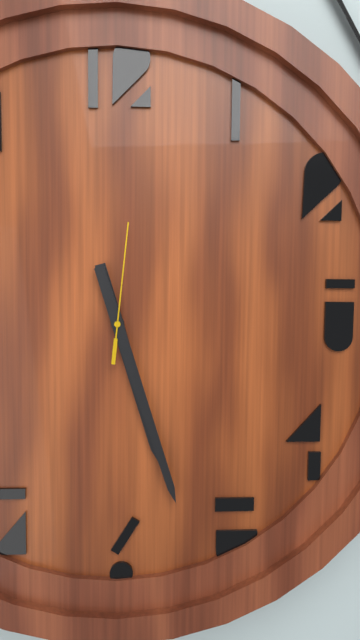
5:27:01
